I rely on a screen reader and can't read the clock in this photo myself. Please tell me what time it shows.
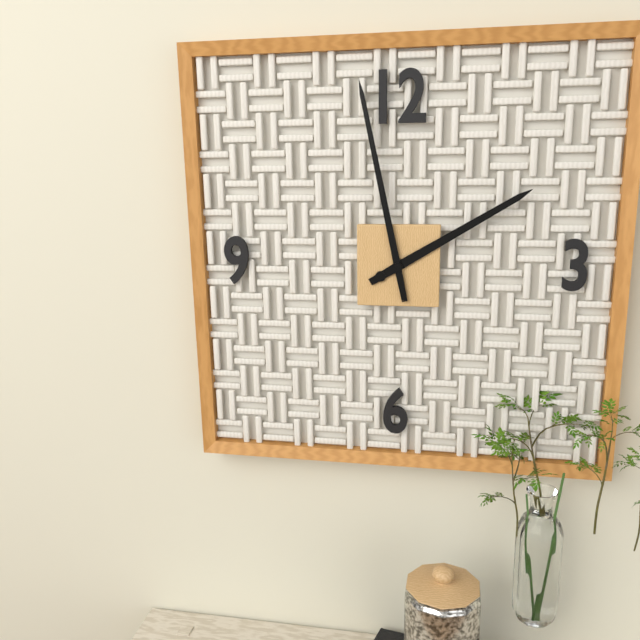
1:58
